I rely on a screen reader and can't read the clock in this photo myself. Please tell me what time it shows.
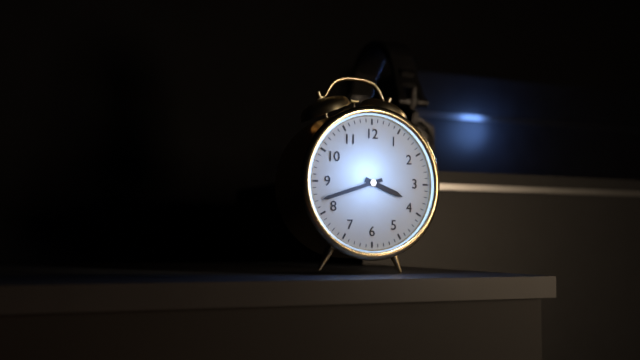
3:42
